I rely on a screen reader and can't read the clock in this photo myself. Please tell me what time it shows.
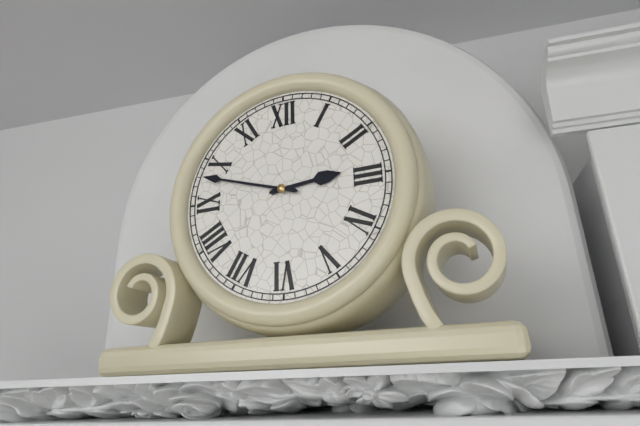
2:48
